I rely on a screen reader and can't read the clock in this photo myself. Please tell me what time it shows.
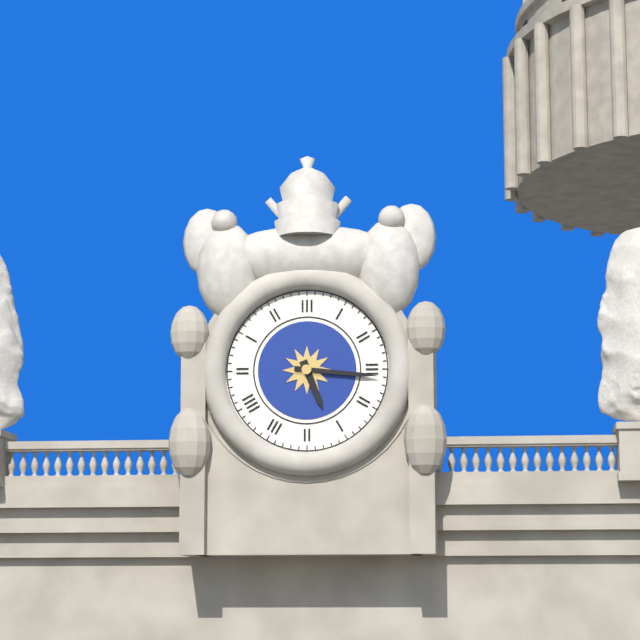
5:16
